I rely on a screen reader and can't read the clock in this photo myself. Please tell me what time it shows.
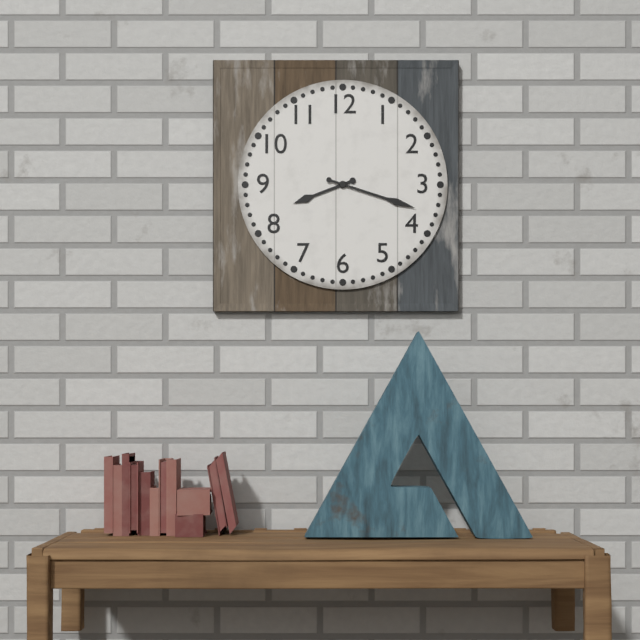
8:18
